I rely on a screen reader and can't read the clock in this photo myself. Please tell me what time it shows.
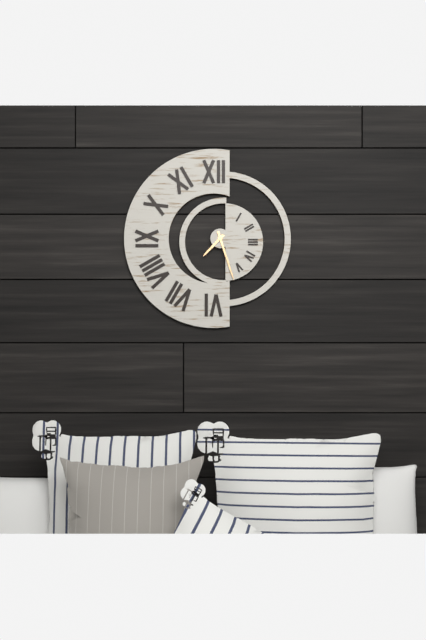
7:27
